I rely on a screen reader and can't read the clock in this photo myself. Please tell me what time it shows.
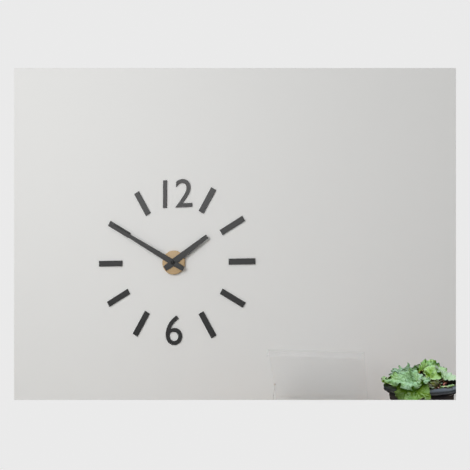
1:50
